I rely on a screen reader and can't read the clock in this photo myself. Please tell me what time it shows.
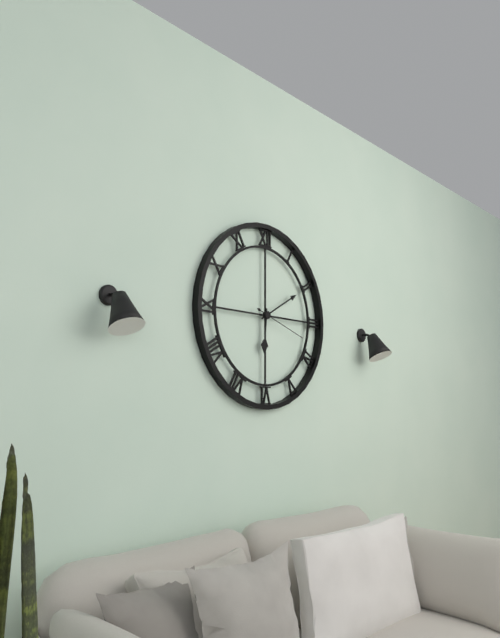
6:10:18
